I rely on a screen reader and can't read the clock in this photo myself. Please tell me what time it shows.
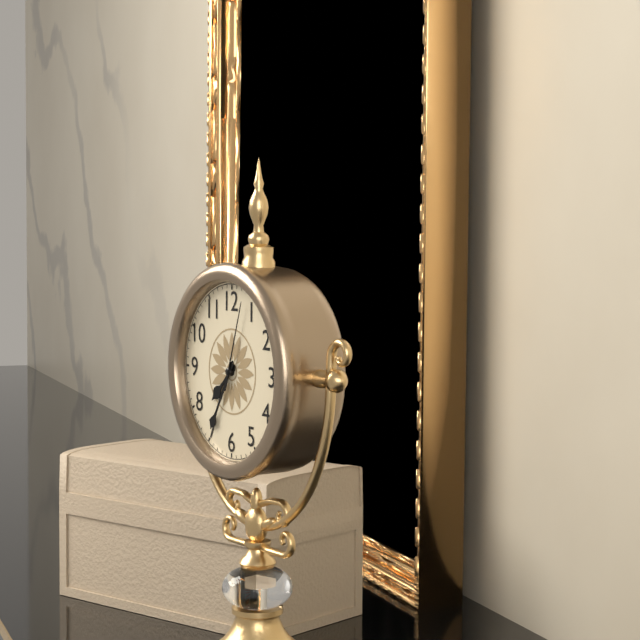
7:35:03
